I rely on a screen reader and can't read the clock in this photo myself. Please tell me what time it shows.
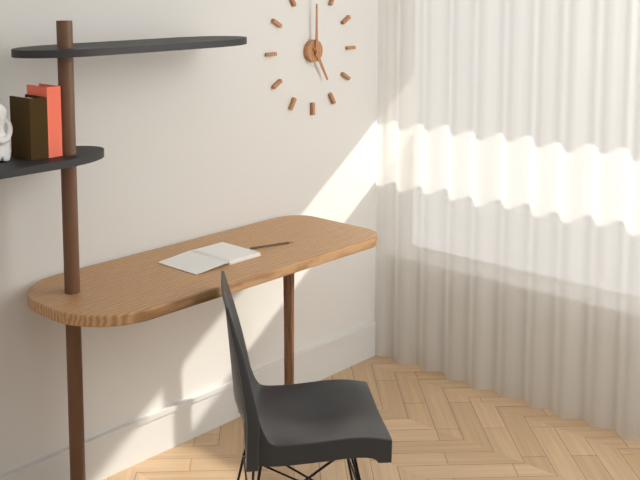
5:00
